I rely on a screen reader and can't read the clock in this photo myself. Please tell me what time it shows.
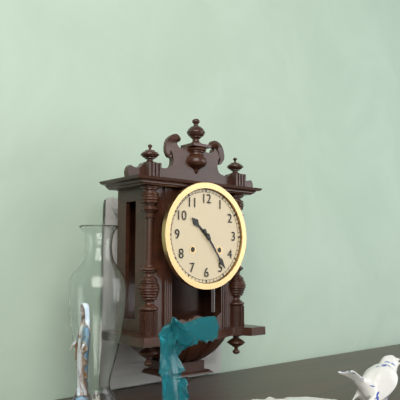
10:24
